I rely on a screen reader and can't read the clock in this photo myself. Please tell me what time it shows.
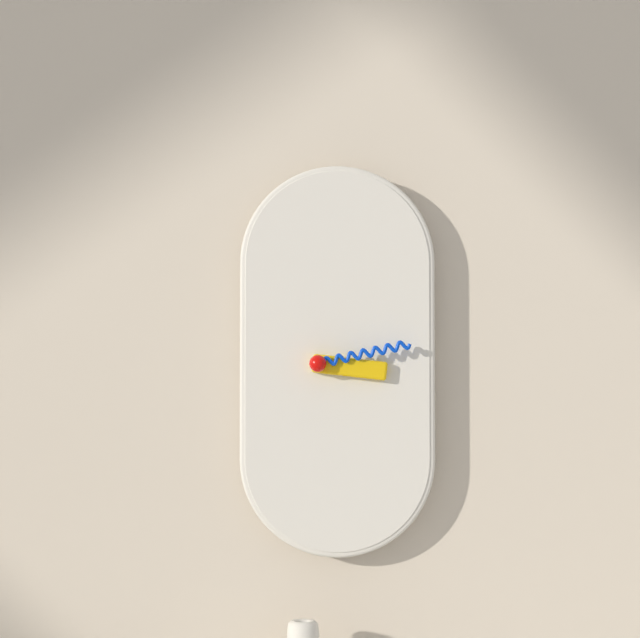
3:13
